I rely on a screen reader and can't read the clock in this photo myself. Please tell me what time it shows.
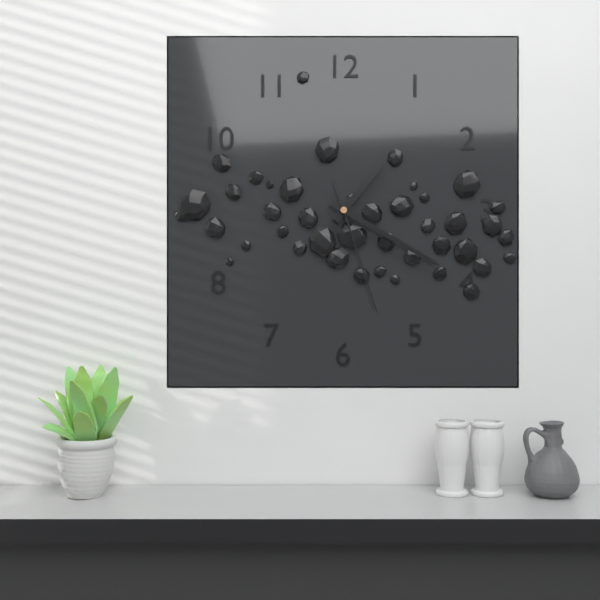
1:20:27
